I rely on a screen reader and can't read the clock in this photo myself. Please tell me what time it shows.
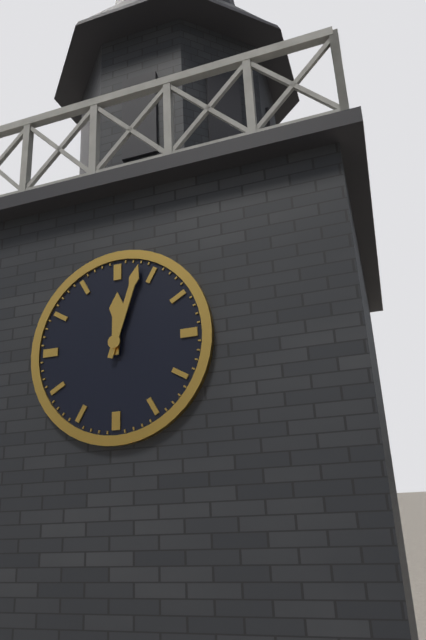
12:03
